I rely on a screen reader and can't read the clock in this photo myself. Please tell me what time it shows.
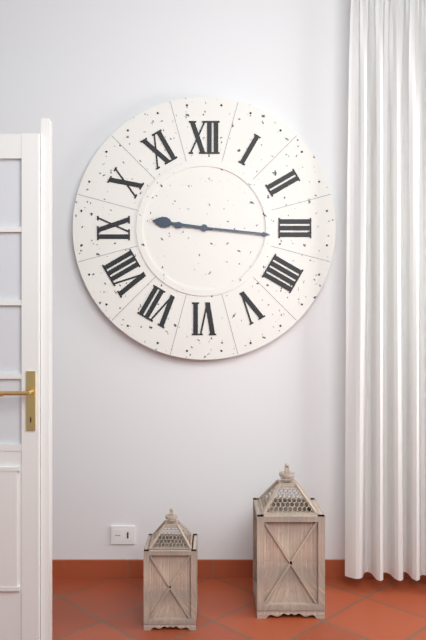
9:16
